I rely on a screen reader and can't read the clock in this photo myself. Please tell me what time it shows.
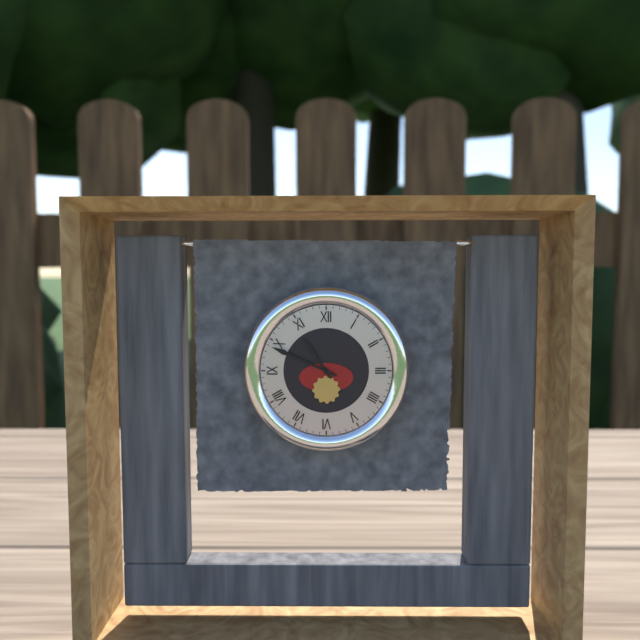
10:49
